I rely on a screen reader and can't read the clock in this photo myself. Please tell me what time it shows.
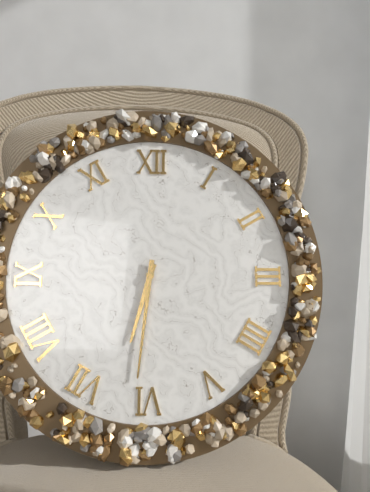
6:31
